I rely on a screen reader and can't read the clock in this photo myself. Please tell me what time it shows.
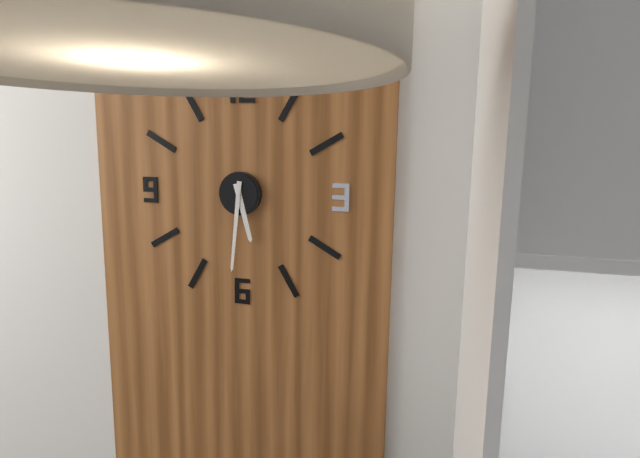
5:31
